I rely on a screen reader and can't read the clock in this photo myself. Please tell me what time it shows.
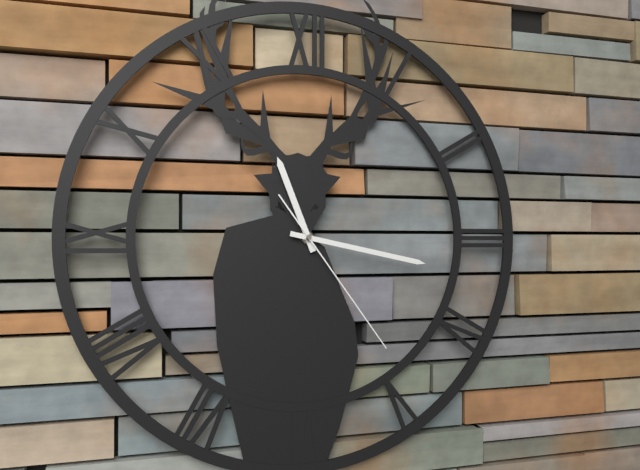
11:17:24
